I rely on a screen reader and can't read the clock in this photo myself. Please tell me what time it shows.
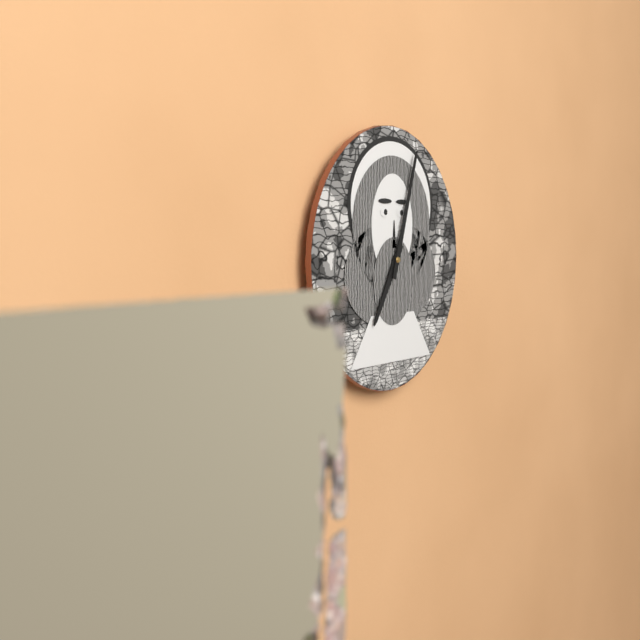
7:03
